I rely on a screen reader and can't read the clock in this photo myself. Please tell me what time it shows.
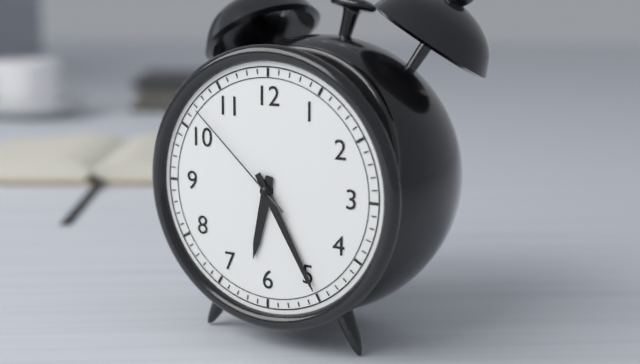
6:25:52
